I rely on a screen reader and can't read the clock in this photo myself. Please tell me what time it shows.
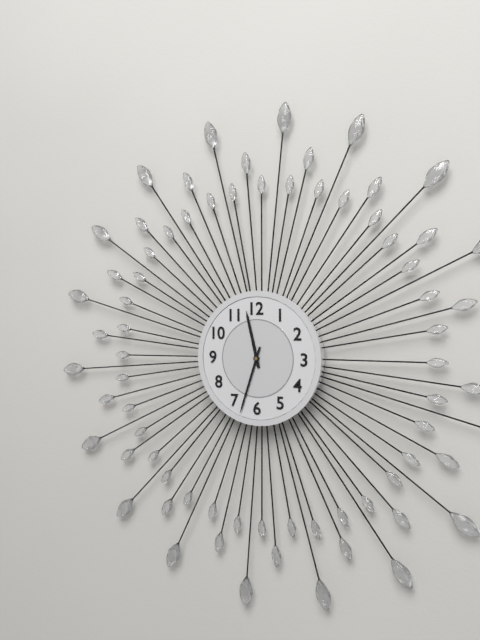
11:33
